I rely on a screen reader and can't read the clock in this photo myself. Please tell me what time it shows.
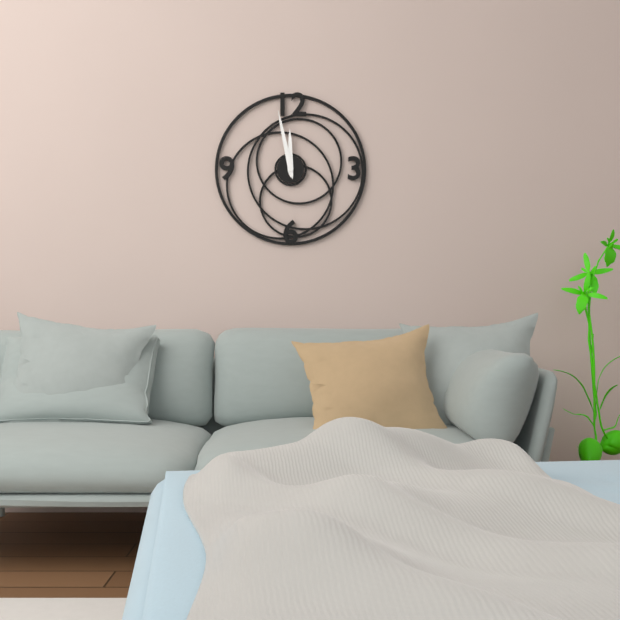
11:58
